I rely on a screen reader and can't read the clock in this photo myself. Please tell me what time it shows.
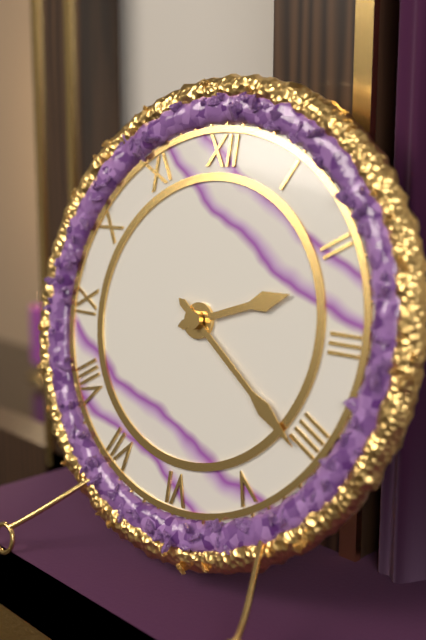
2:21
